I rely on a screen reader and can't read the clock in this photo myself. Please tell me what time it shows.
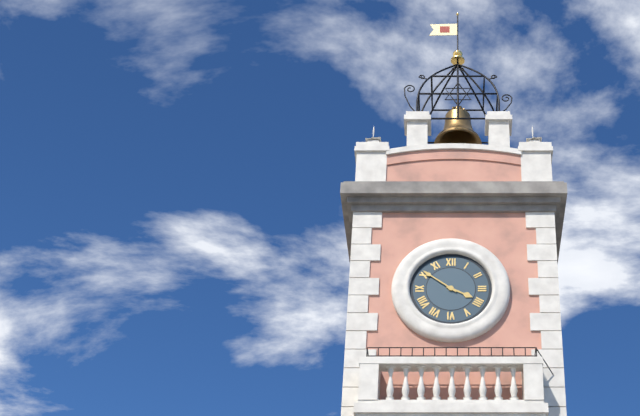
3:51
